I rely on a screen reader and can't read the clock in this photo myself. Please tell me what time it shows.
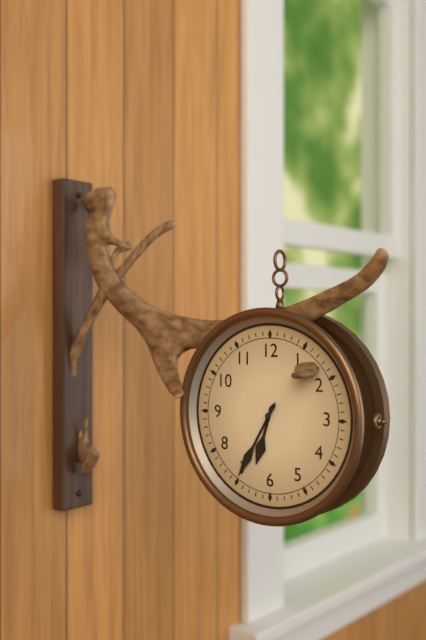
6:35
